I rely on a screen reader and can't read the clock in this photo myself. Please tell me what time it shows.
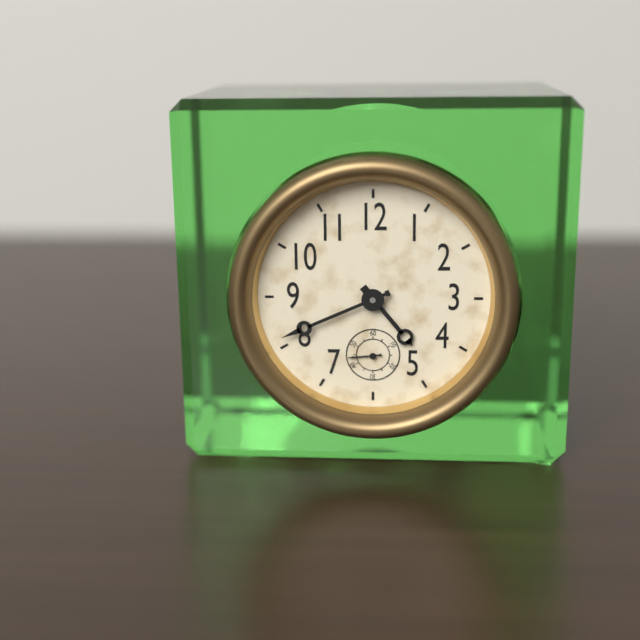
4:41
